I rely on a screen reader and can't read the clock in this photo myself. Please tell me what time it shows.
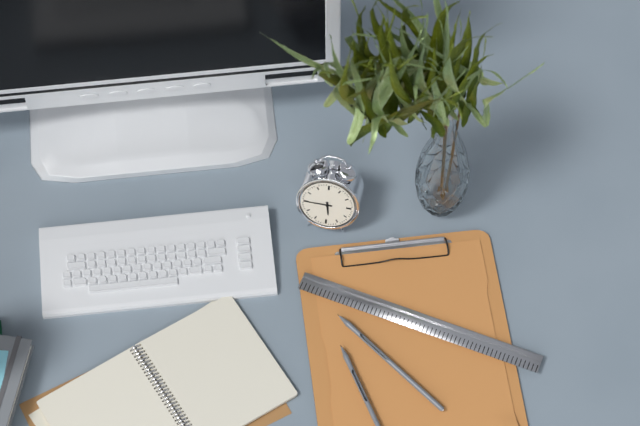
5:45
